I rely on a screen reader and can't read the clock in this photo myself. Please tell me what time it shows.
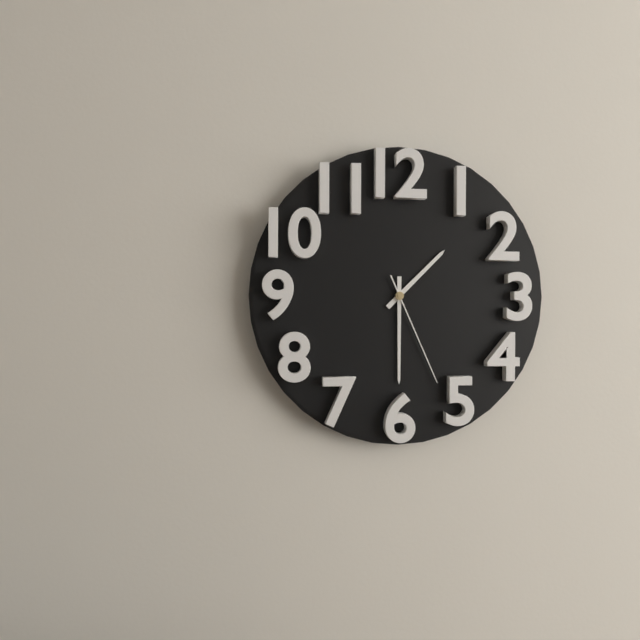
1:30:26
